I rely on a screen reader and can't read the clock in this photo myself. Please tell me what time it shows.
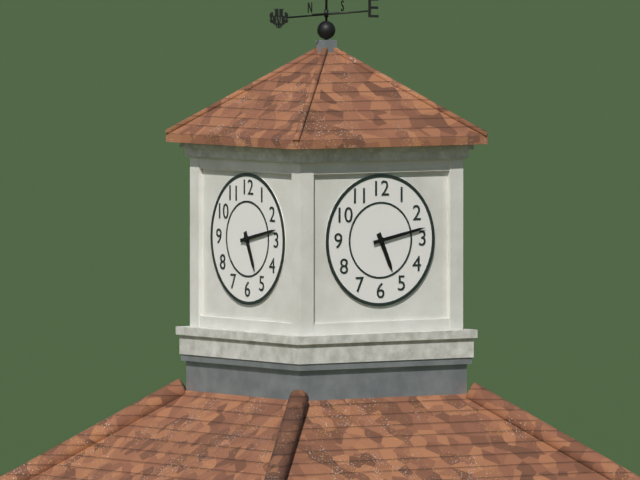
5:13
